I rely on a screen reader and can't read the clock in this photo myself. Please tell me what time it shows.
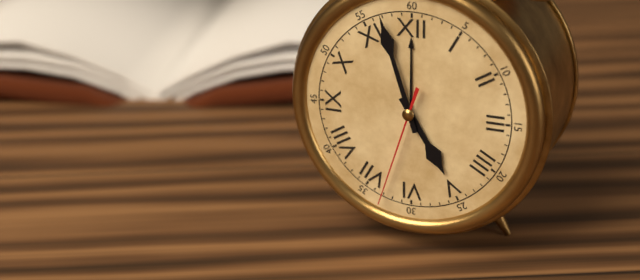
4:57:33
